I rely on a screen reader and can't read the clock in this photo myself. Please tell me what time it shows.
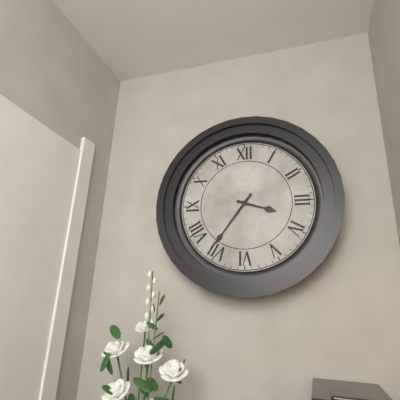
3:36
